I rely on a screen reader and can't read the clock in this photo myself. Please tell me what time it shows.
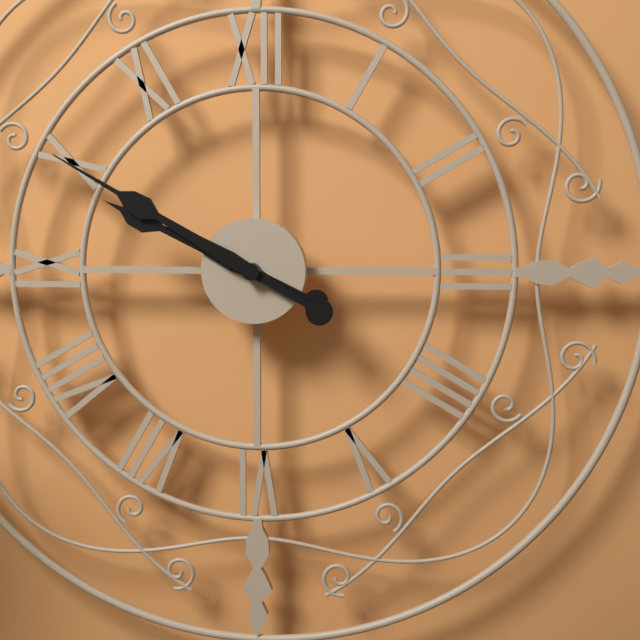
9:50
